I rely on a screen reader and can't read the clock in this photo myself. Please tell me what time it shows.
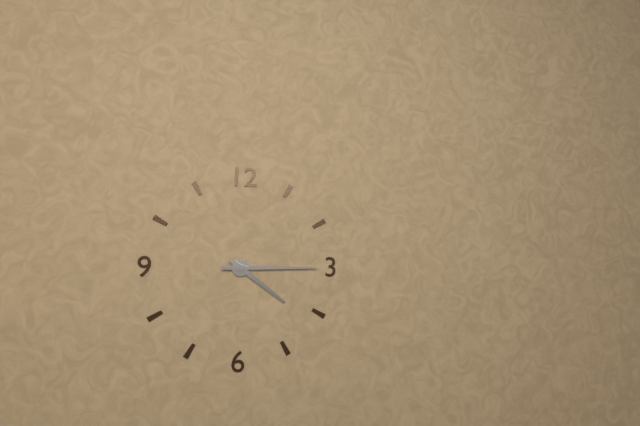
4:15
